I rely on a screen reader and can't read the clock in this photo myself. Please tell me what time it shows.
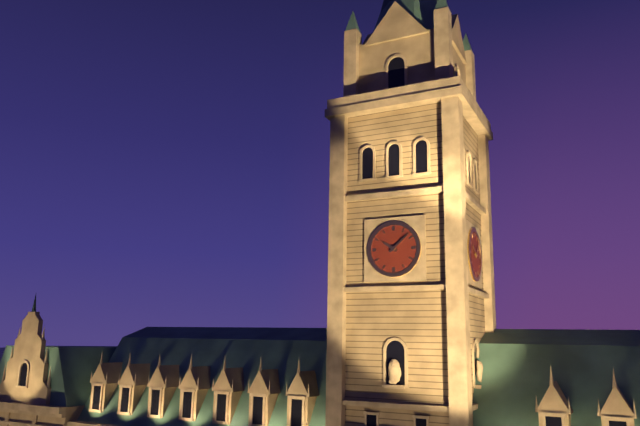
10:08
